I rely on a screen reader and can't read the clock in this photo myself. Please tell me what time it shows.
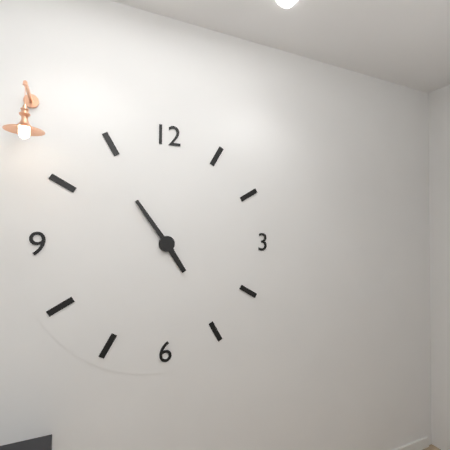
4:54
